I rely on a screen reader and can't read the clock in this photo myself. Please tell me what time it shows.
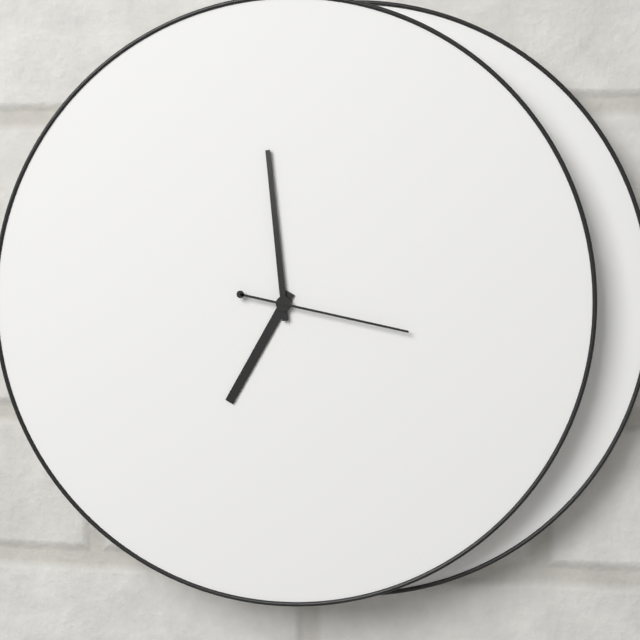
6:59:17
